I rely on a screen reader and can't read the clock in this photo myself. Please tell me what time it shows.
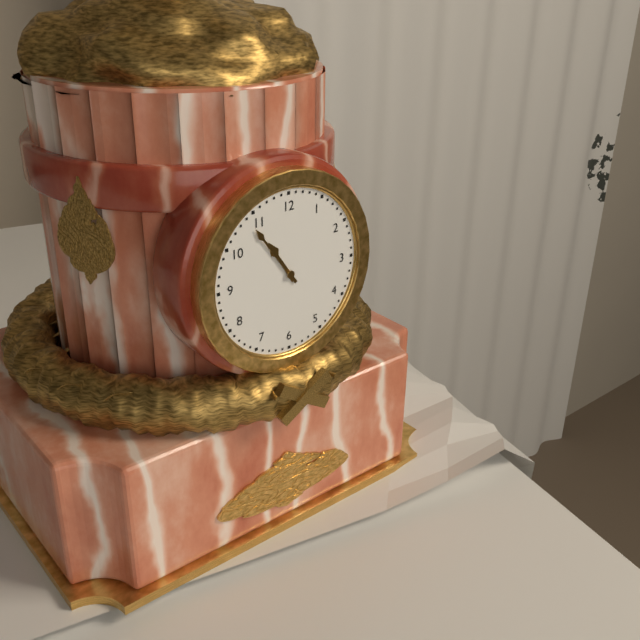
10:54
